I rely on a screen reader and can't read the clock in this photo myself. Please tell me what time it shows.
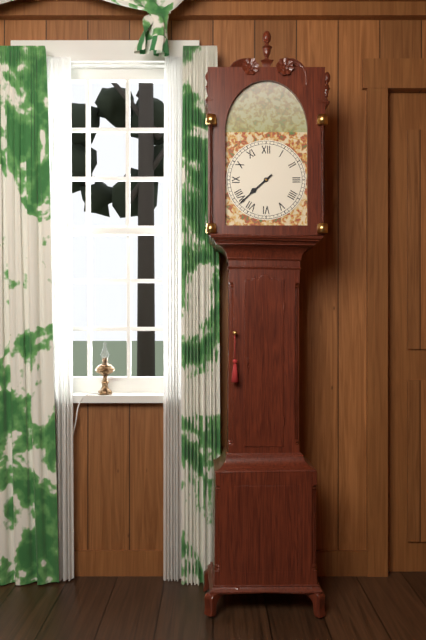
7:38
